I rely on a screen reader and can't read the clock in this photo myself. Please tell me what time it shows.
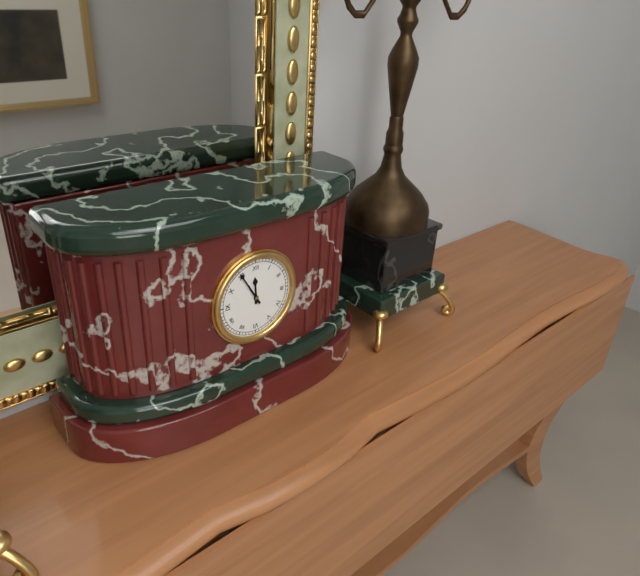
11:55
